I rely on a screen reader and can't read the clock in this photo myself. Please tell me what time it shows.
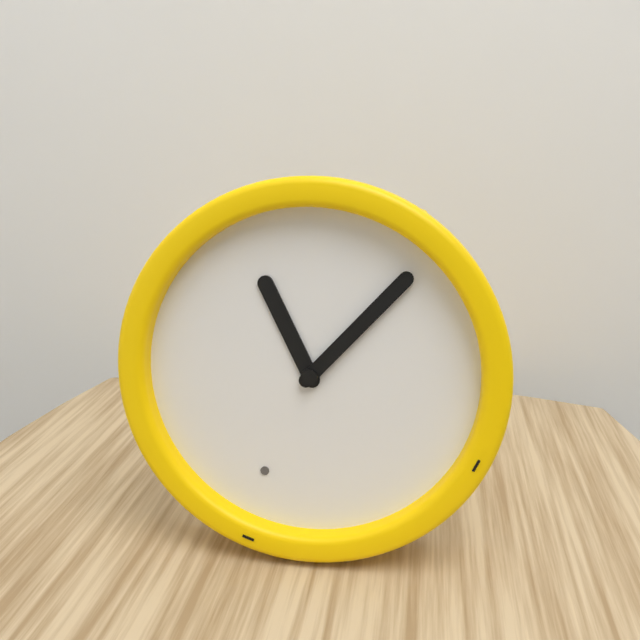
11:07
